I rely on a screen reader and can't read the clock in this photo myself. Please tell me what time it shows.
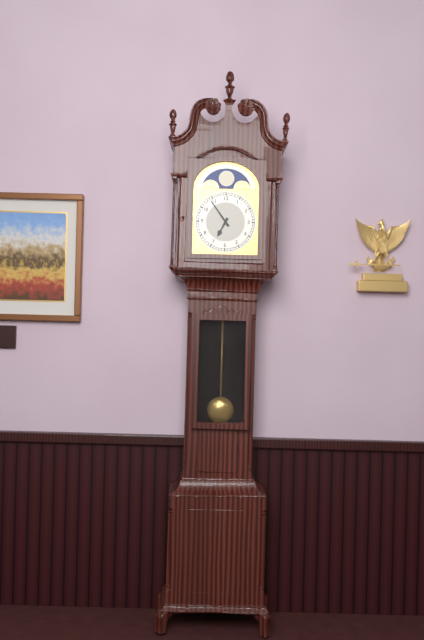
6:54
